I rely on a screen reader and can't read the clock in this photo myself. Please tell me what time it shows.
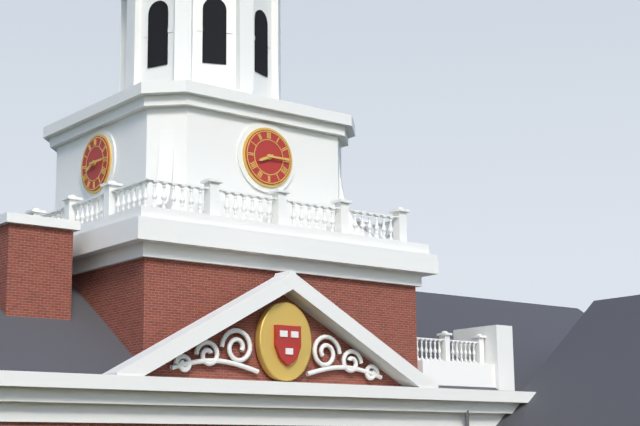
8:15
